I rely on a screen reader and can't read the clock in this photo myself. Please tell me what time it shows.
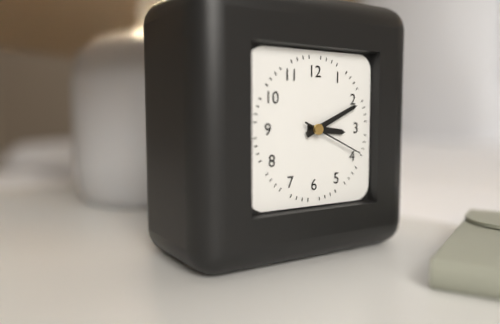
3:11:19
